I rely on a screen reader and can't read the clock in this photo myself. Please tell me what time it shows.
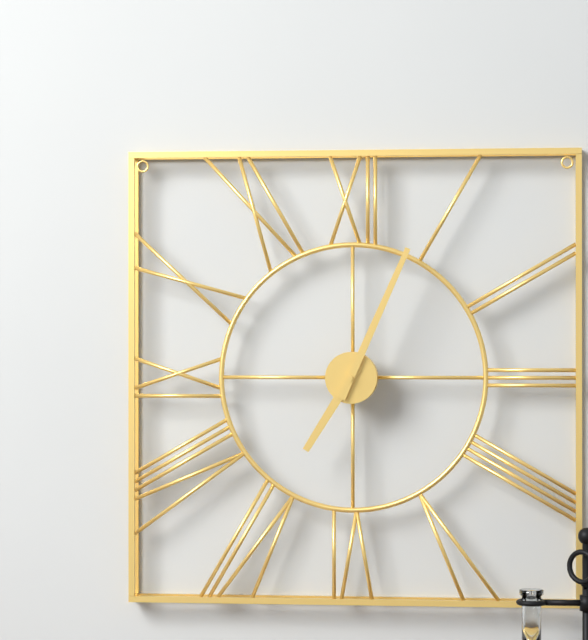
7:04
